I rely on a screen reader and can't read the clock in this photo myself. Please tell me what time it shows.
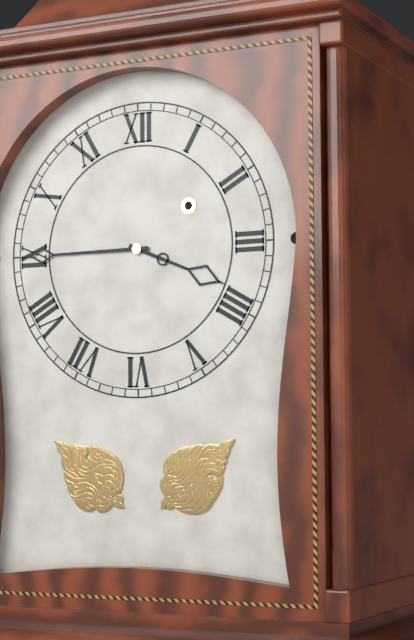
3:45
